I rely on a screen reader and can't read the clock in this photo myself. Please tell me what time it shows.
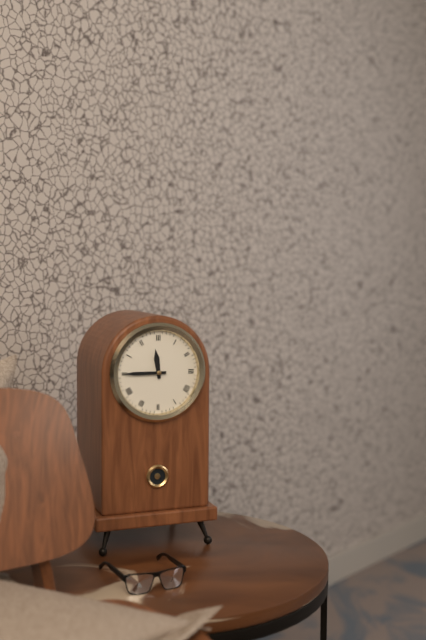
11:45
